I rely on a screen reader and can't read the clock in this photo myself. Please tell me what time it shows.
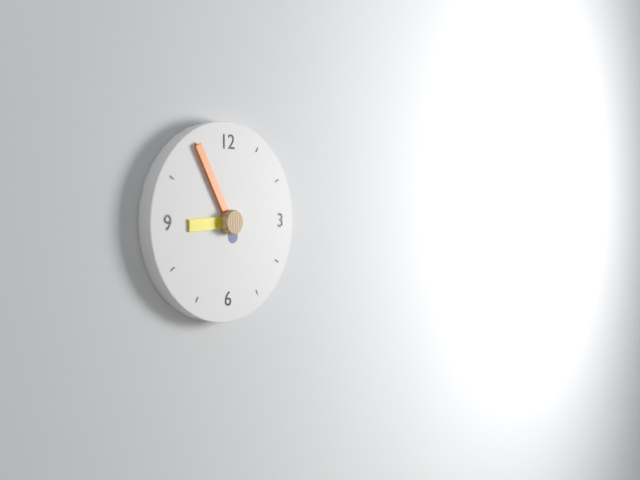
8:55
